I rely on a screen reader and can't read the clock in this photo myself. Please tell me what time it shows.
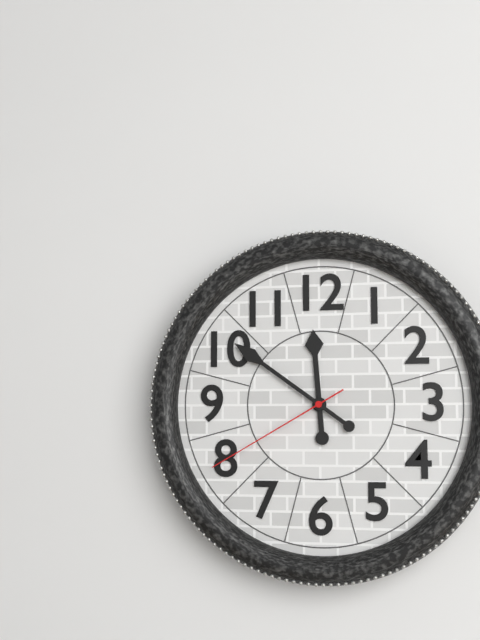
11:51:40
